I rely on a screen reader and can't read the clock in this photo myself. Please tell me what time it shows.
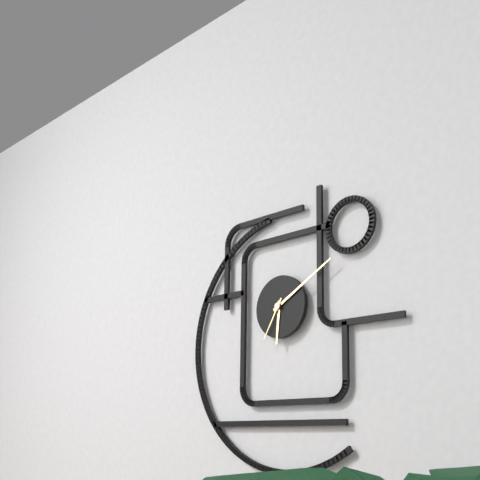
6:10
